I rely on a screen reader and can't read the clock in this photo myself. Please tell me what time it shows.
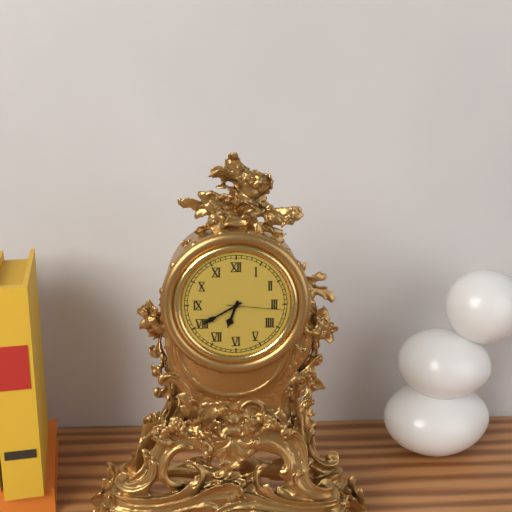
6:40:16
